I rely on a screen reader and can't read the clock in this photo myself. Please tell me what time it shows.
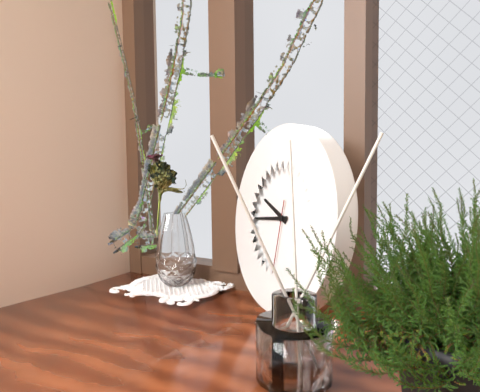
9:44
